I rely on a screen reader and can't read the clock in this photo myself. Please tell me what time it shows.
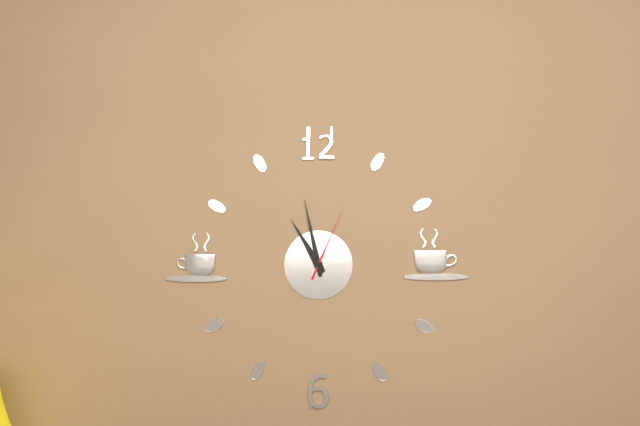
10:58:04
